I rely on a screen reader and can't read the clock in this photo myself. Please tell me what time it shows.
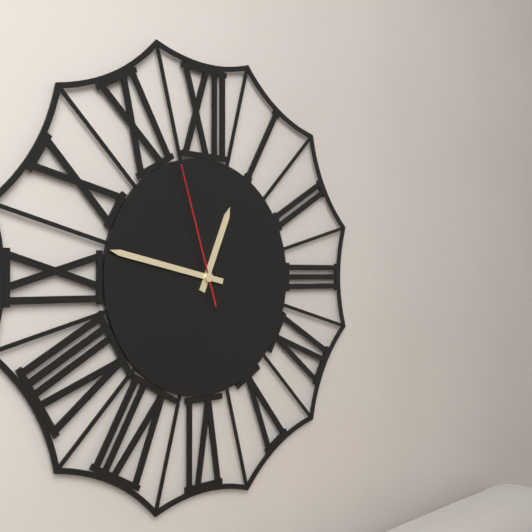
12:47:57
